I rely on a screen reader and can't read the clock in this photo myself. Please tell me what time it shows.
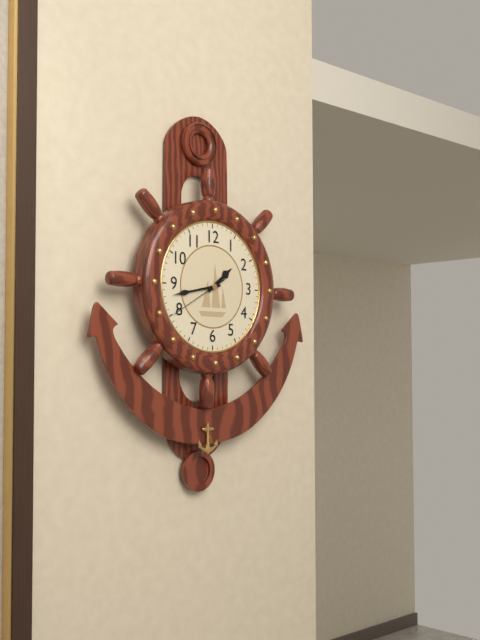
1:43:40
